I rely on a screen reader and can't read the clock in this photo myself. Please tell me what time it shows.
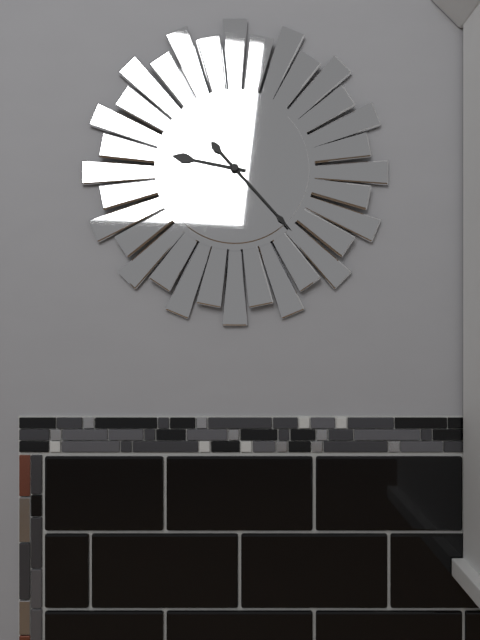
9:23
